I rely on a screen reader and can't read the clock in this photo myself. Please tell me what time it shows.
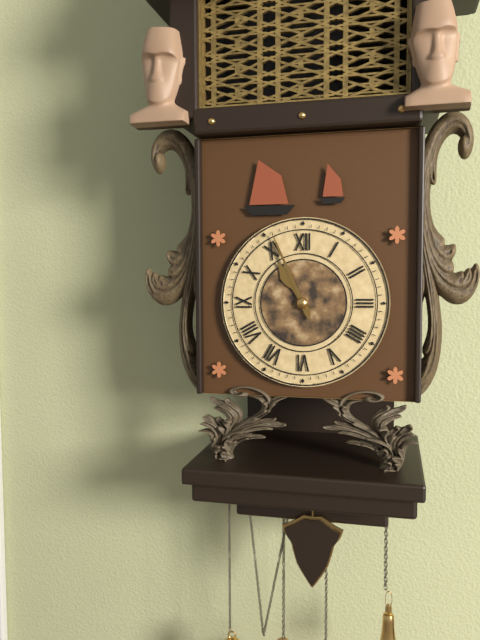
10:56
